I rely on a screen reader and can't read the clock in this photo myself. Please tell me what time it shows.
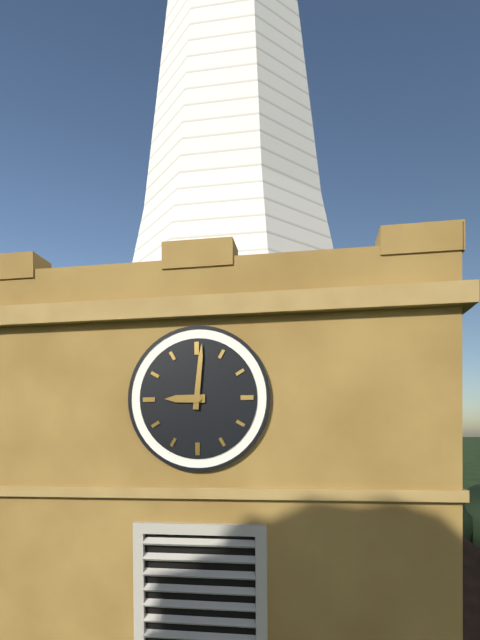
9:01
